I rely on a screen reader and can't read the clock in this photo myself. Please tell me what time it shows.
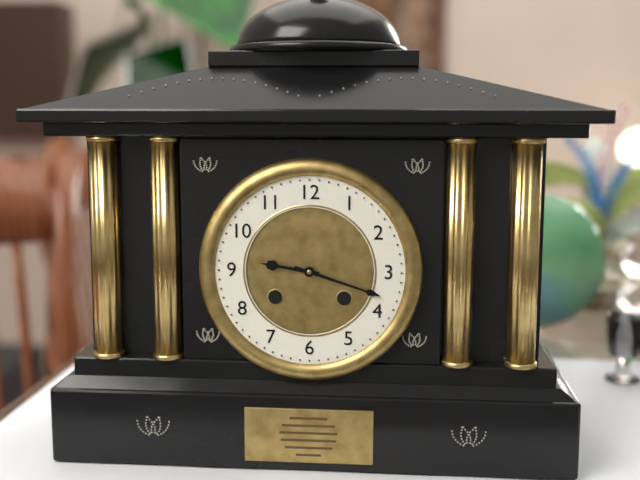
9:18
